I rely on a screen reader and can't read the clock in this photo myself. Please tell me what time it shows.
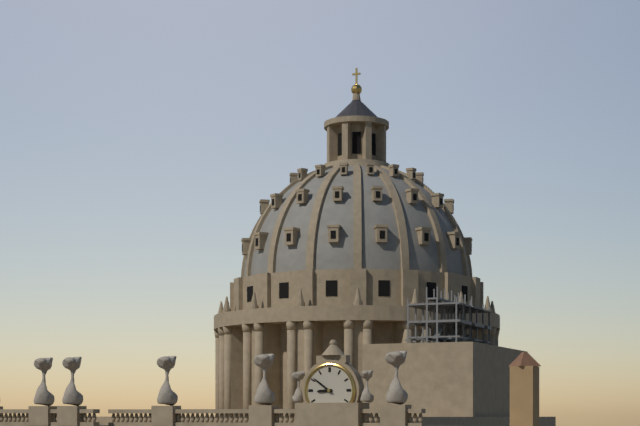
8:51
